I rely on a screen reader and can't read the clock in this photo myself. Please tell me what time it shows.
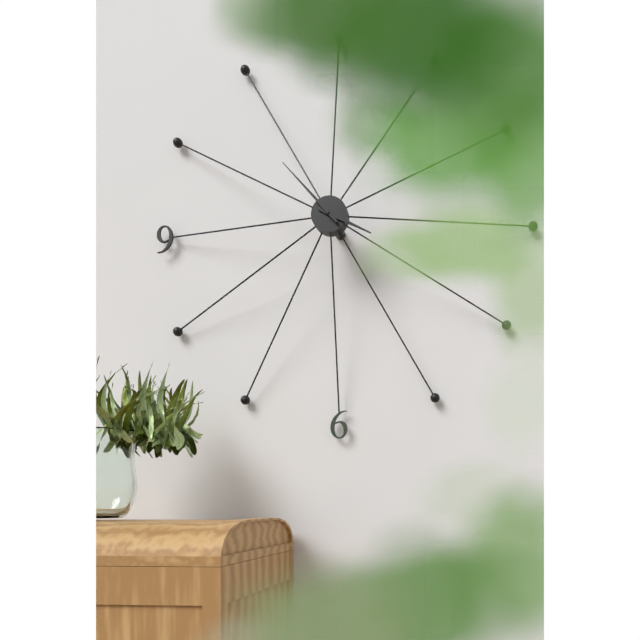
3:53
